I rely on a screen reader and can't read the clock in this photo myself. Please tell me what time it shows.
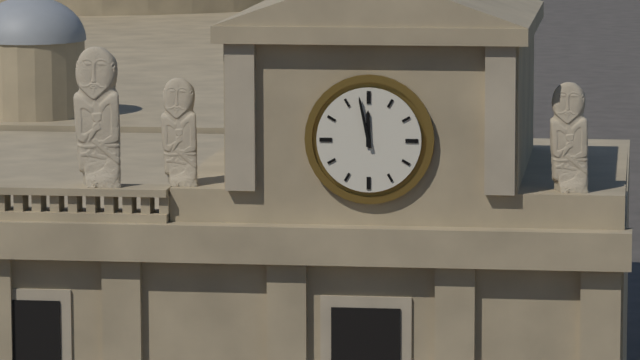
11:58
